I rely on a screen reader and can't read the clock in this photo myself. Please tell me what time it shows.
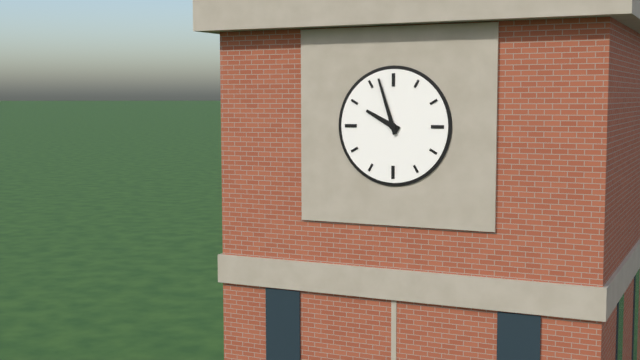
9:57
